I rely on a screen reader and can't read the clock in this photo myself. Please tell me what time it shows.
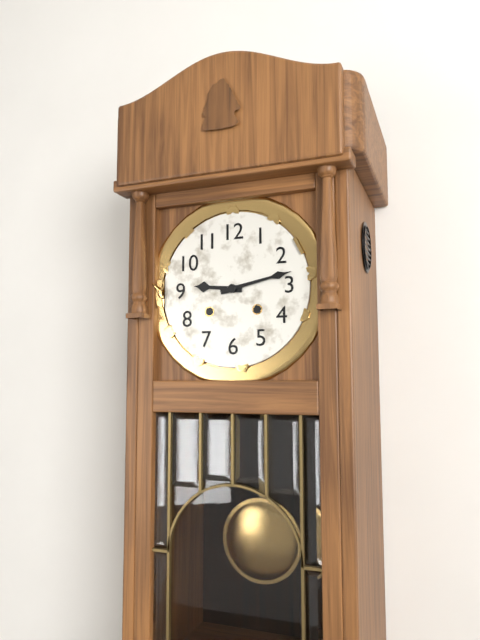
9:13
